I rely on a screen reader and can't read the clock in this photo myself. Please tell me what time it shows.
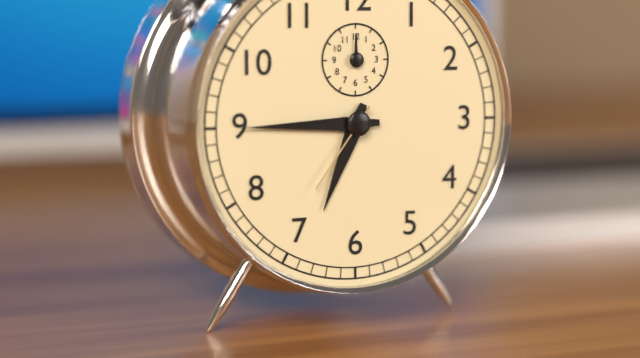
6:45:36
